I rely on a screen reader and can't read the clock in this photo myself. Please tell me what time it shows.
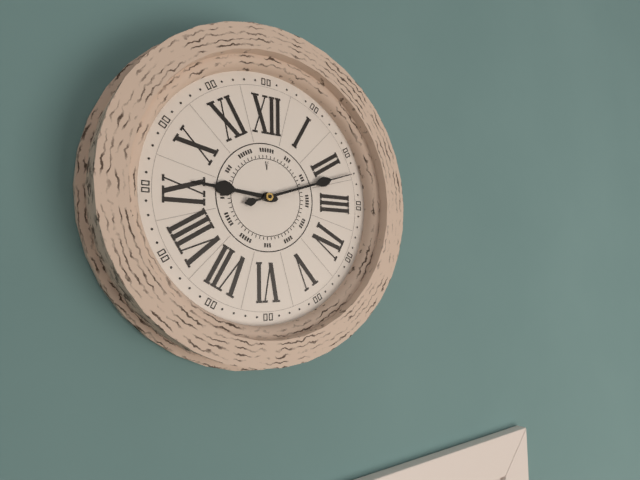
9:12
